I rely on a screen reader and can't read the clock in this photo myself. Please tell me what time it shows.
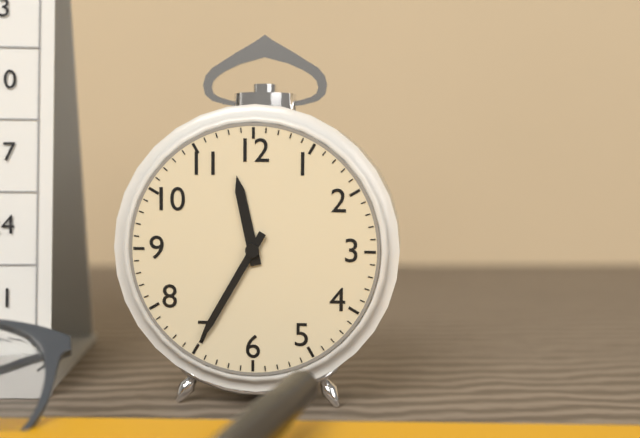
11:35
